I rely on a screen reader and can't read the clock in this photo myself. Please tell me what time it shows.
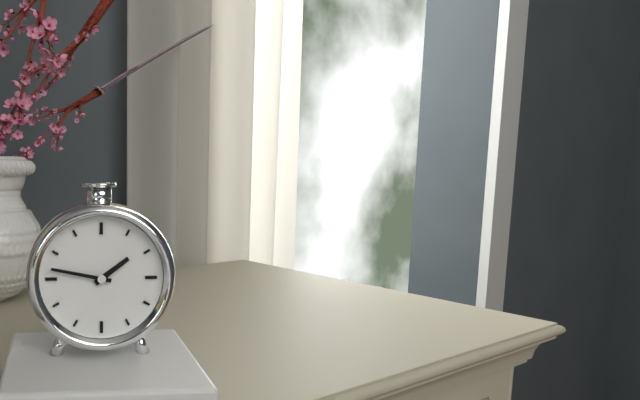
1:47
